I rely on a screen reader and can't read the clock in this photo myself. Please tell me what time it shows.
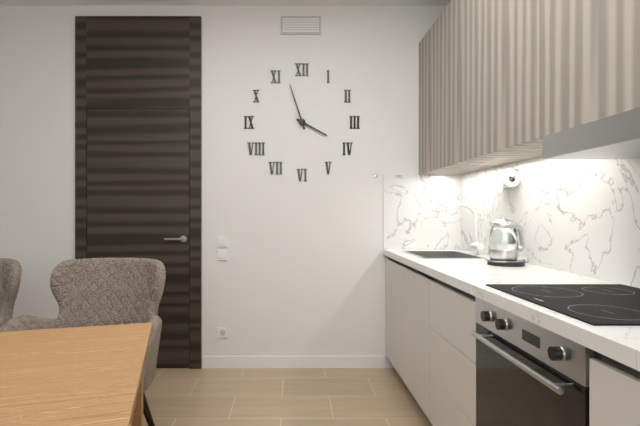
3:57
